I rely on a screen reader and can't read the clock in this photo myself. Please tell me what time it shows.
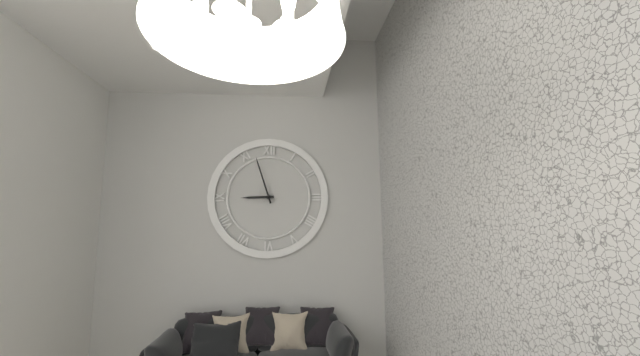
8:57
